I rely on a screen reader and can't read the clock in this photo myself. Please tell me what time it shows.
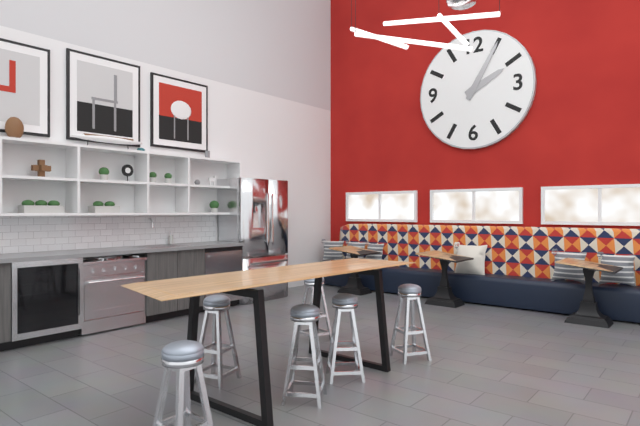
2:05
